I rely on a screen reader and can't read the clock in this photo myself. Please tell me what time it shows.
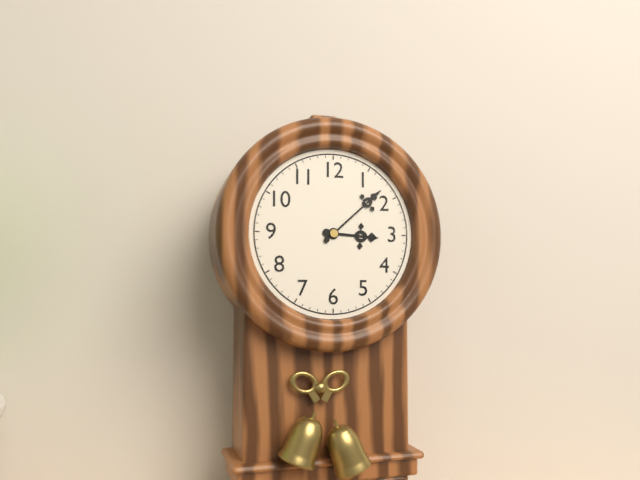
3:08
